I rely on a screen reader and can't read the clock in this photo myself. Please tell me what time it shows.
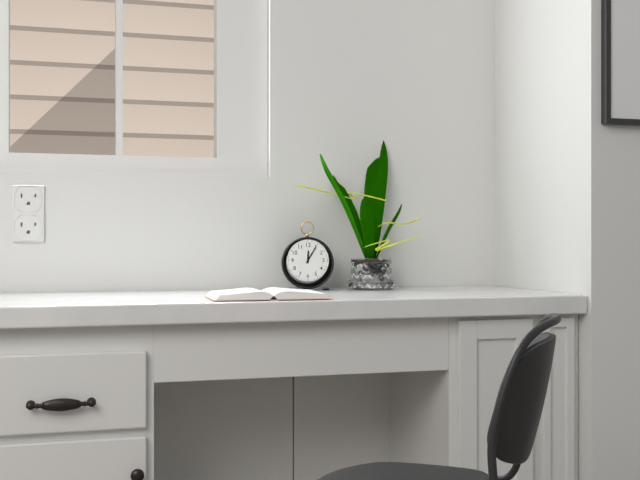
12:05
